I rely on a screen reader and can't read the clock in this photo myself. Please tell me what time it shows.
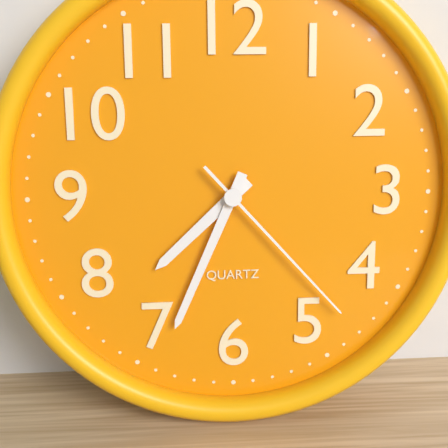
7:34:23
